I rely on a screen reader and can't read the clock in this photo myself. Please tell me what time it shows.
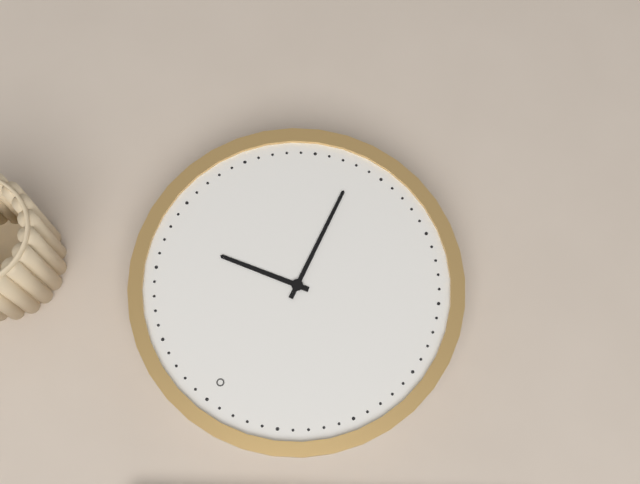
2:28
